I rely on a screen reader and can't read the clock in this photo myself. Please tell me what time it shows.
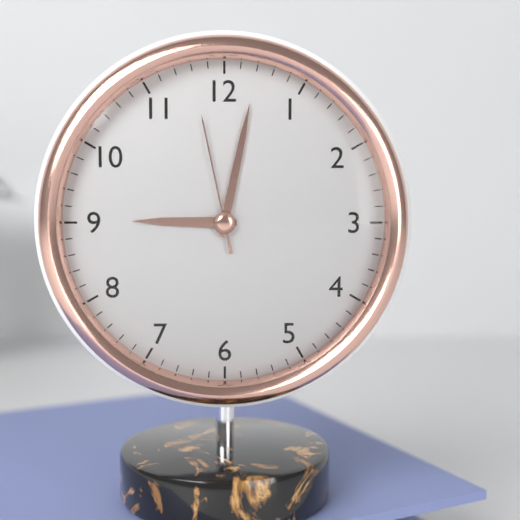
9:02:58
